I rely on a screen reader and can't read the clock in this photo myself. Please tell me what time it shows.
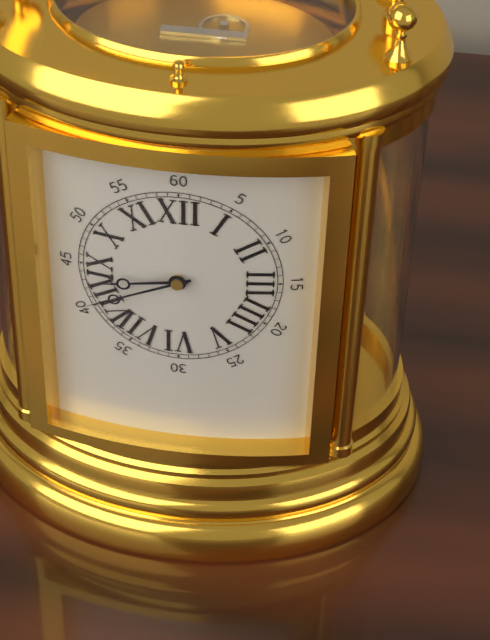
8:41
